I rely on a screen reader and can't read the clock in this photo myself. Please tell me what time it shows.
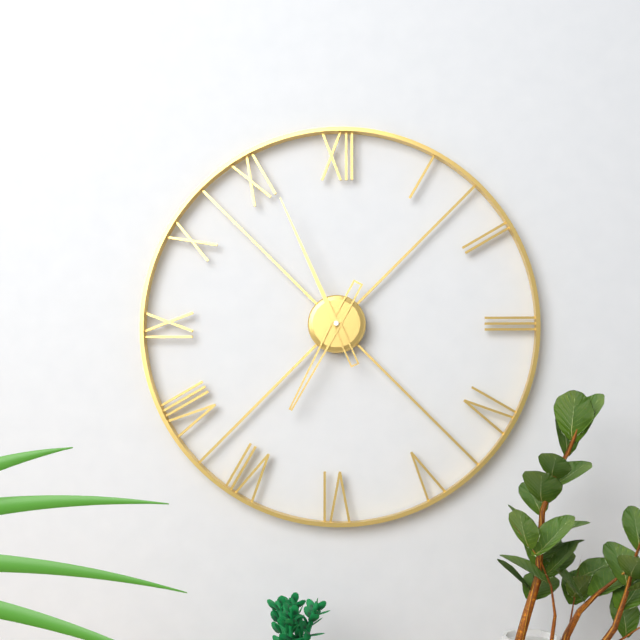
6:56
